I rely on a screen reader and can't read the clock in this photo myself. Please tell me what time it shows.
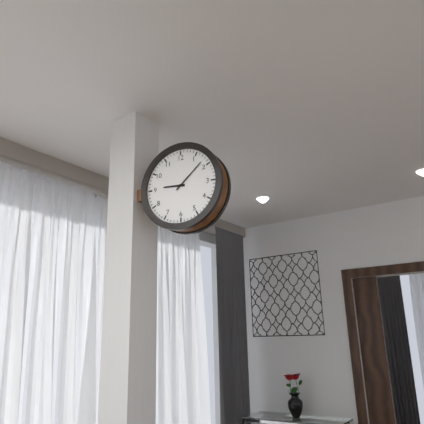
9:08
